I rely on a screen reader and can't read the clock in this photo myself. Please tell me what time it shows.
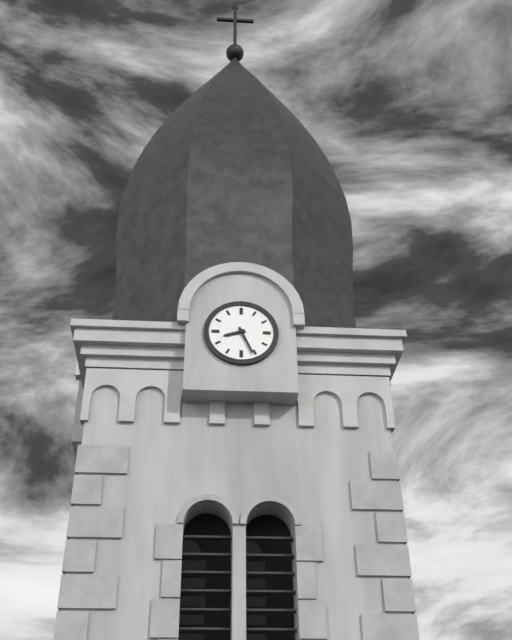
8:26
